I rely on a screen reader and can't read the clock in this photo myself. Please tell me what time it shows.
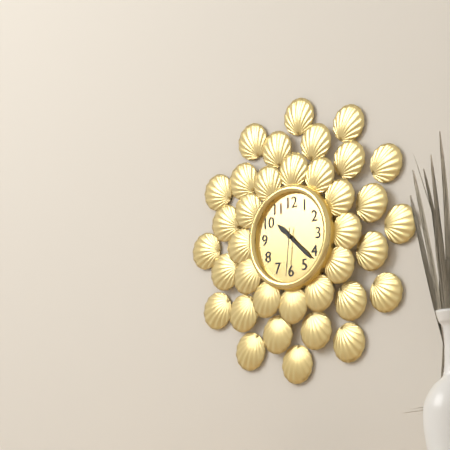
10:22
